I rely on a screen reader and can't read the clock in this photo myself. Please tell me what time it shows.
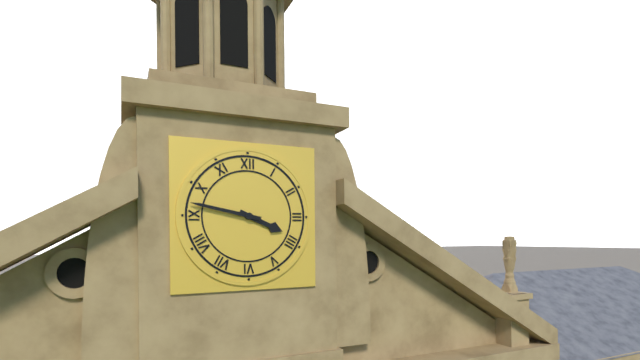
3:47
